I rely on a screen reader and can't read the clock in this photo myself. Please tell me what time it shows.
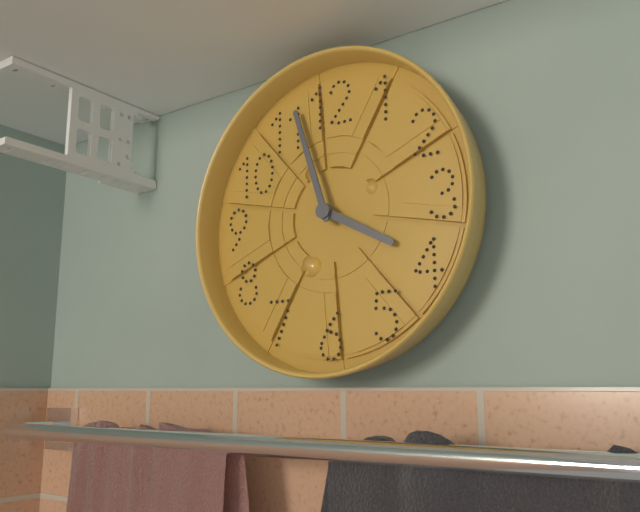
3:57
